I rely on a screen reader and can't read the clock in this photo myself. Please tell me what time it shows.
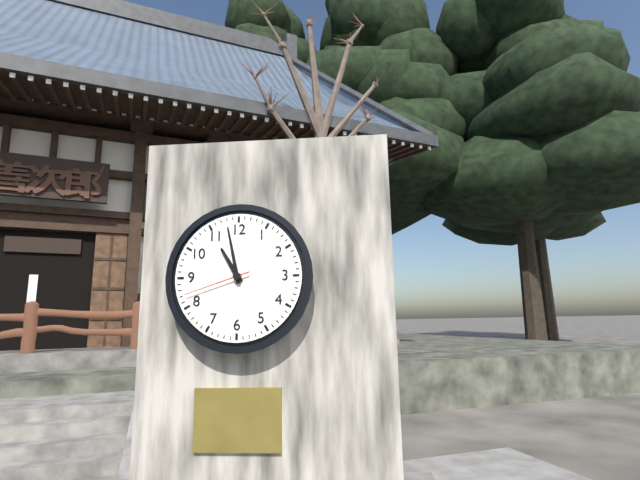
10:58:42
